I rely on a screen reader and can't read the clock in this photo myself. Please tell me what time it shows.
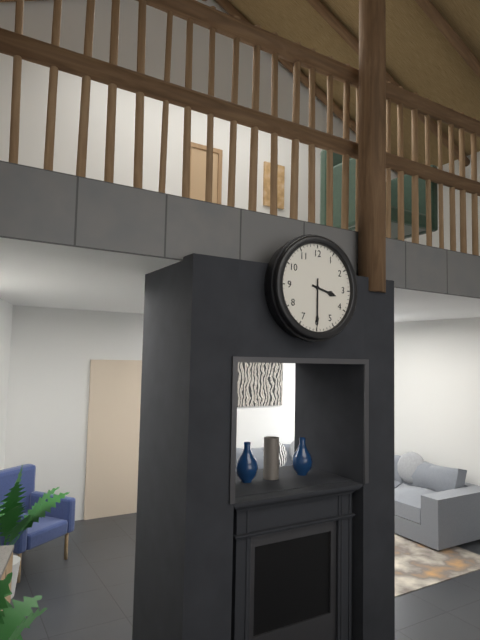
3:30
